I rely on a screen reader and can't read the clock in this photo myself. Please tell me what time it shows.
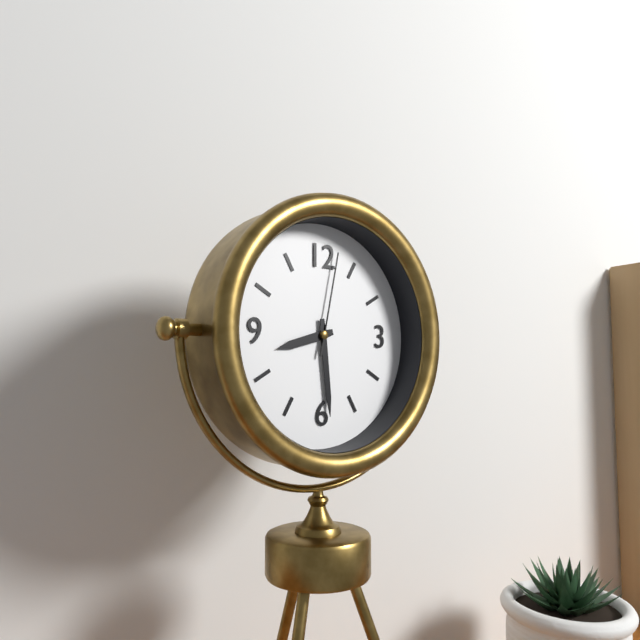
8:29:02
